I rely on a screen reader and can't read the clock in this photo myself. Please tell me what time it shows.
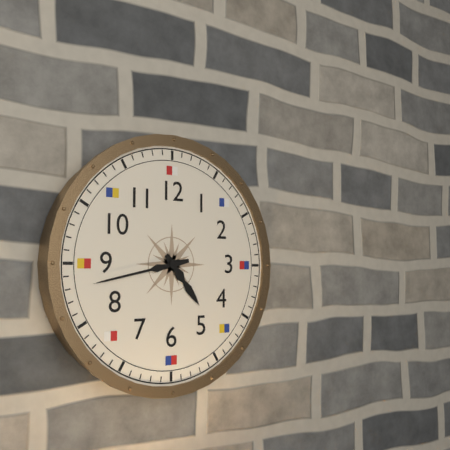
4:43
